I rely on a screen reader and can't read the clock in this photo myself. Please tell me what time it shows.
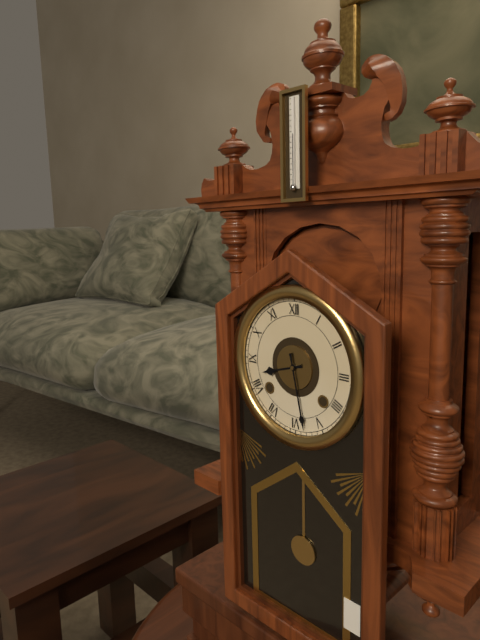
8:28
